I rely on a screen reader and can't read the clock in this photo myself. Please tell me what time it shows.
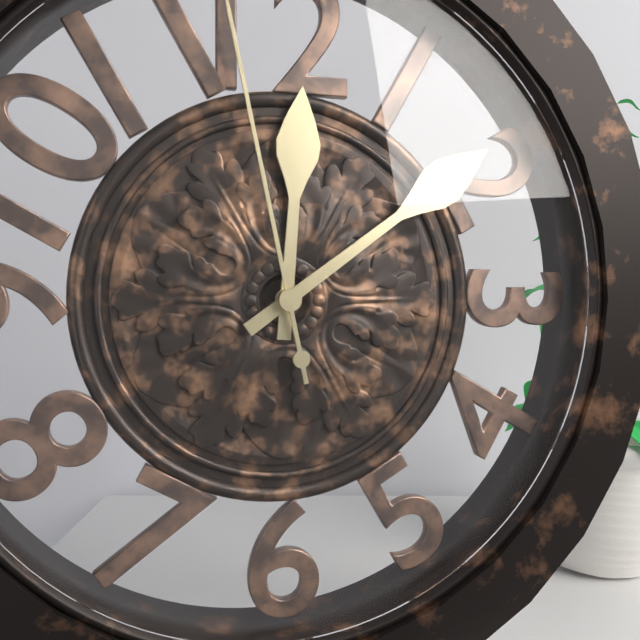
12:09
